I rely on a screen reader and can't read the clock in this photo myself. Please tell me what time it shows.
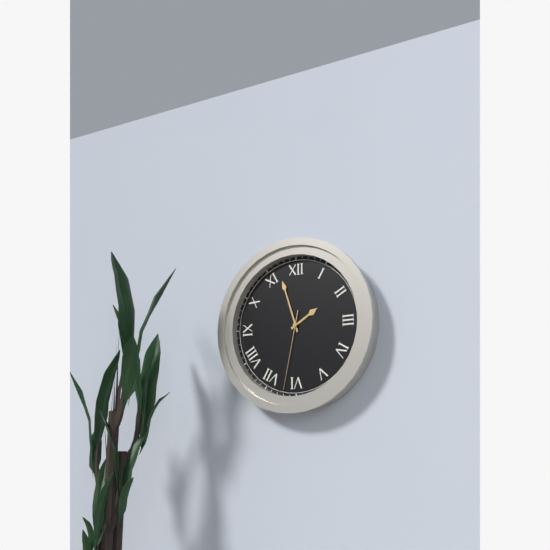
1:57:32
